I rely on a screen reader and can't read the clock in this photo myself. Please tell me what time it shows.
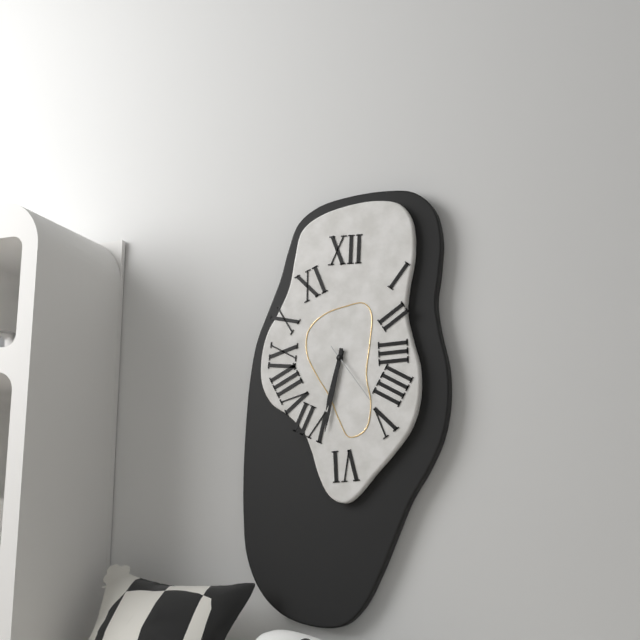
6:32:24
